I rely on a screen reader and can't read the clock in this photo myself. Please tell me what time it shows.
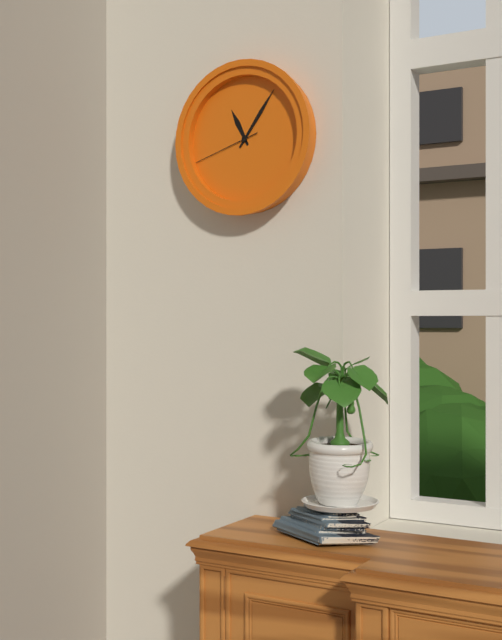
11:06:42
